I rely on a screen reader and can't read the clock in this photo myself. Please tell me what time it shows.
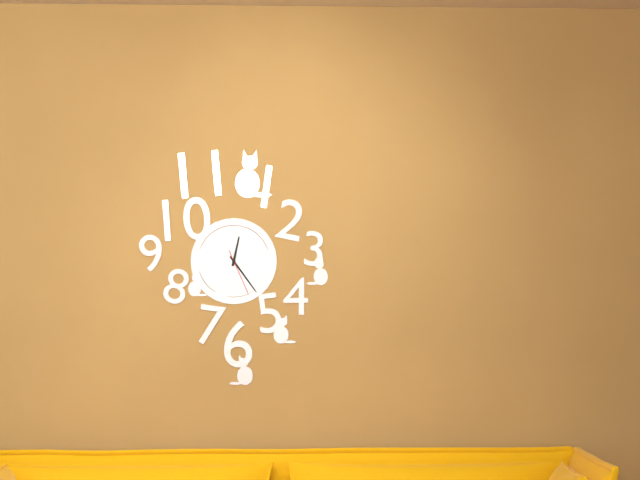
12:24
